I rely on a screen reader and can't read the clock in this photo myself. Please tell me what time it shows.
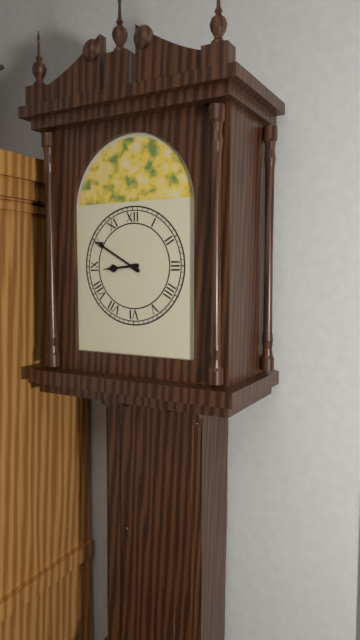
8:50
